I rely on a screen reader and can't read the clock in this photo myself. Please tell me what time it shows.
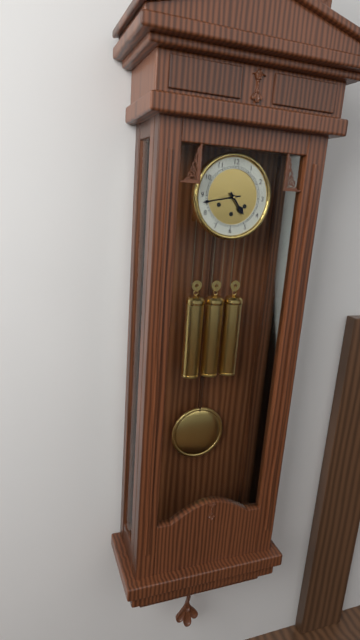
4:43
